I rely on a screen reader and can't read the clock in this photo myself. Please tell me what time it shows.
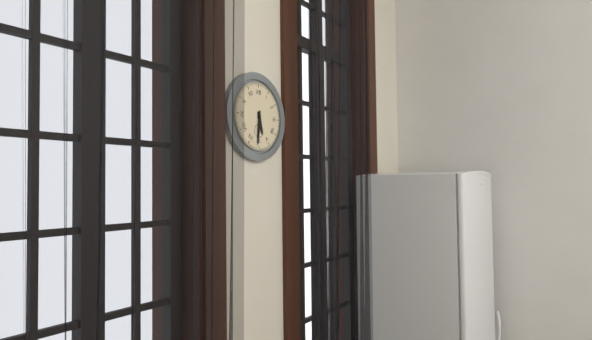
5:31
